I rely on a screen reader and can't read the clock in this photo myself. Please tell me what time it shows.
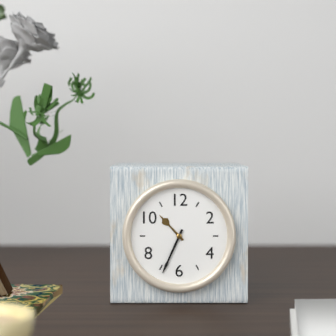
10:34
